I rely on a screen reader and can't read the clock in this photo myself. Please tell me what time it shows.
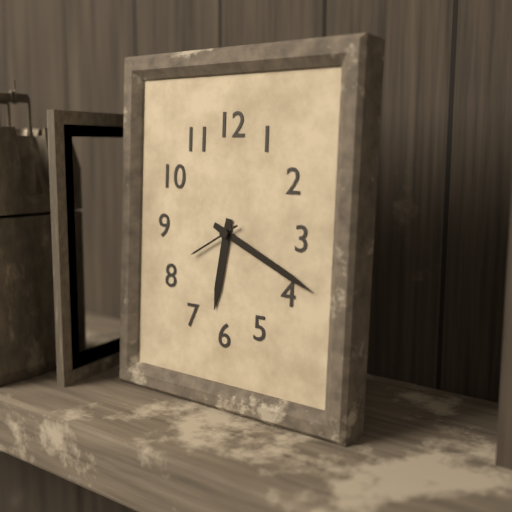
6:19:40
